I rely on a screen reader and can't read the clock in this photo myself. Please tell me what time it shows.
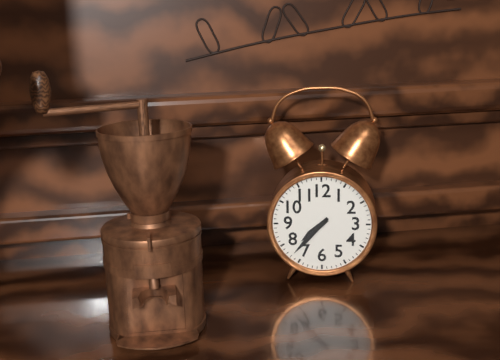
7:37
